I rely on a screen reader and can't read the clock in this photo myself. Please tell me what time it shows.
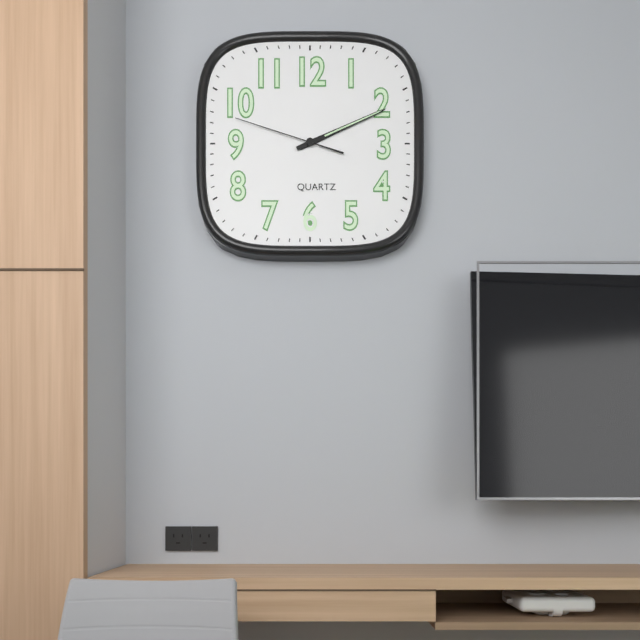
2:11:48
